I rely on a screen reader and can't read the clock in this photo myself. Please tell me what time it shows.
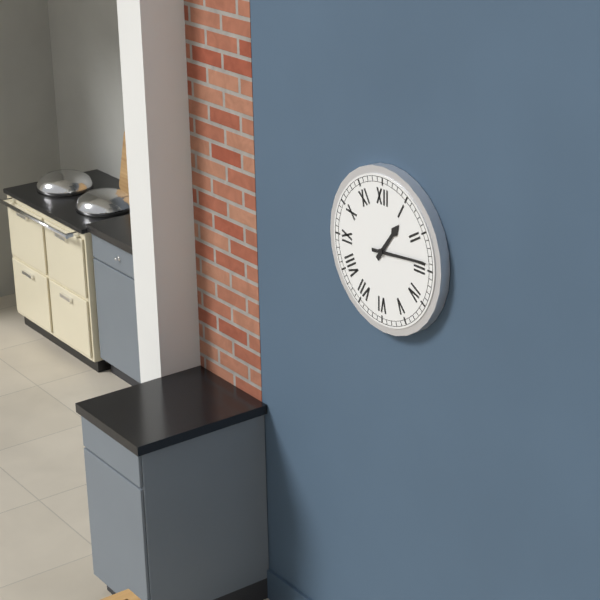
1:14
